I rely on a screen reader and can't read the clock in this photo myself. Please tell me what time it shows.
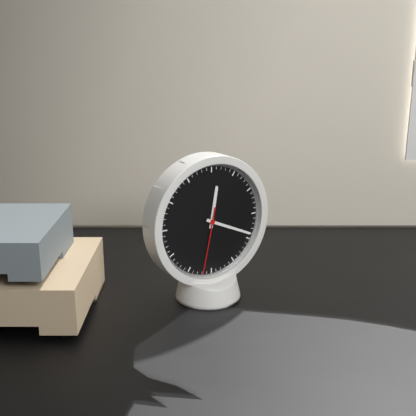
12:19:32
